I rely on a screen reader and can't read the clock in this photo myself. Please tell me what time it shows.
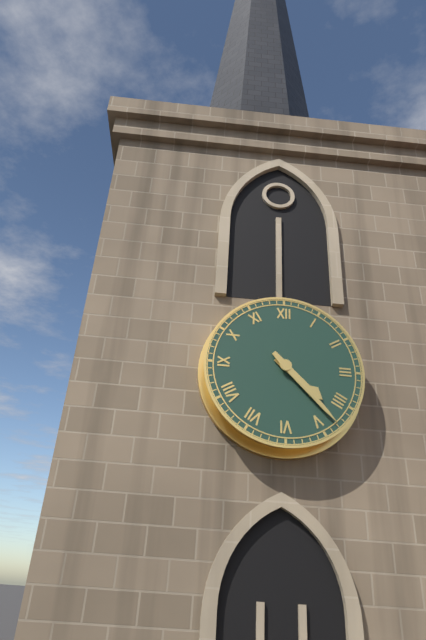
4:23
